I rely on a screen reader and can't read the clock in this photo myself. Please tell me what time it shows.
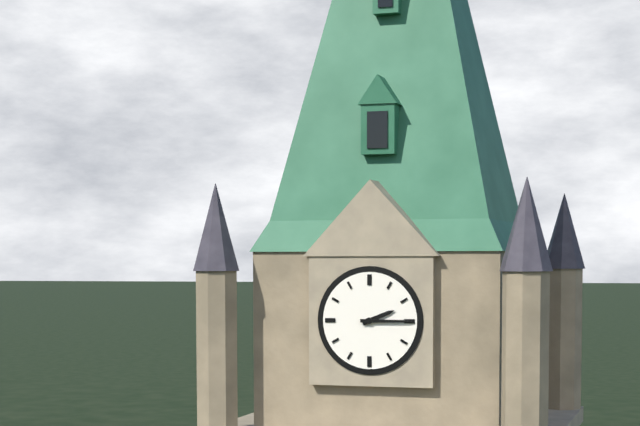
2:15
